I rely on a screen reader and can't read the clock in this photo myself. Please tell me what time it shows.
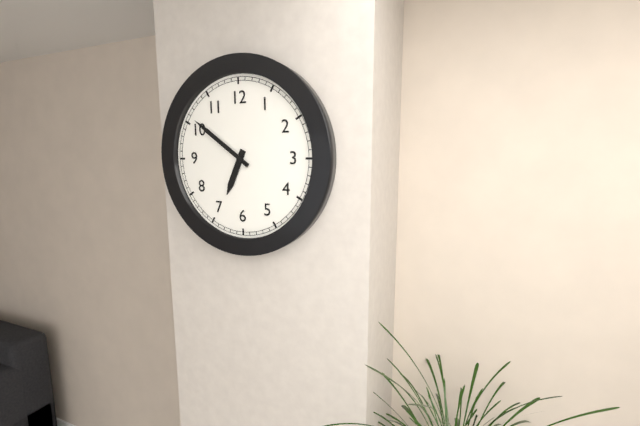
6:51
